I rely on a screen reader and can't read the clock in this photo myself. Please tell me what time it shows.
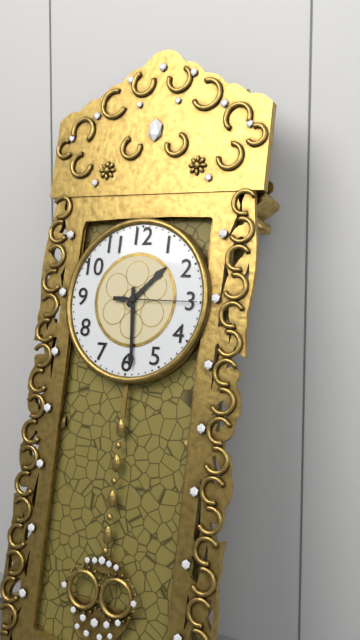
1:29:15
